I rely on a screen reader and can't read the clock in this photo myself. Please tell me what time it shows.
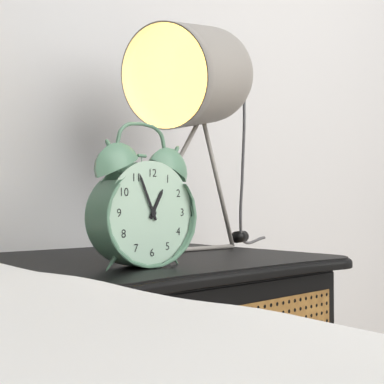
12:56
